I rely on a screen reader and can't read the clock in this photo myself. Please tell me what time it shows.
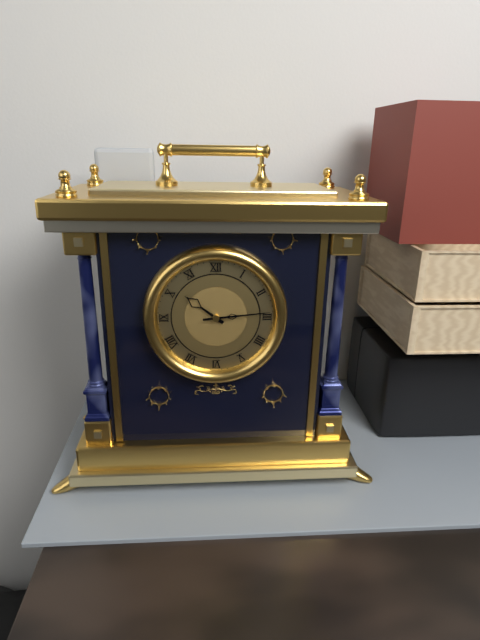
10:14
